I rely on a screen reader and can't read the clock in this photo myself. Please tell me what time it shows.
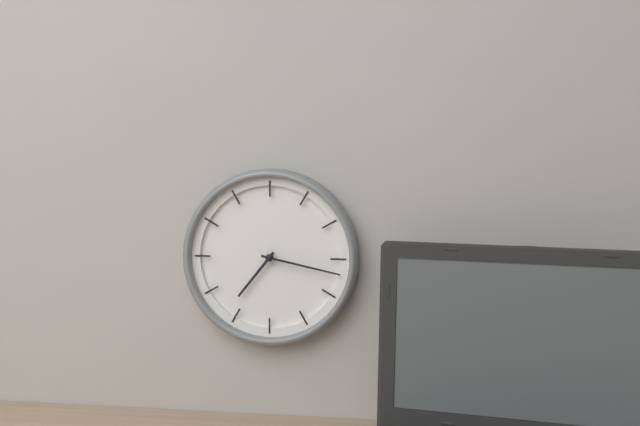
7:17
